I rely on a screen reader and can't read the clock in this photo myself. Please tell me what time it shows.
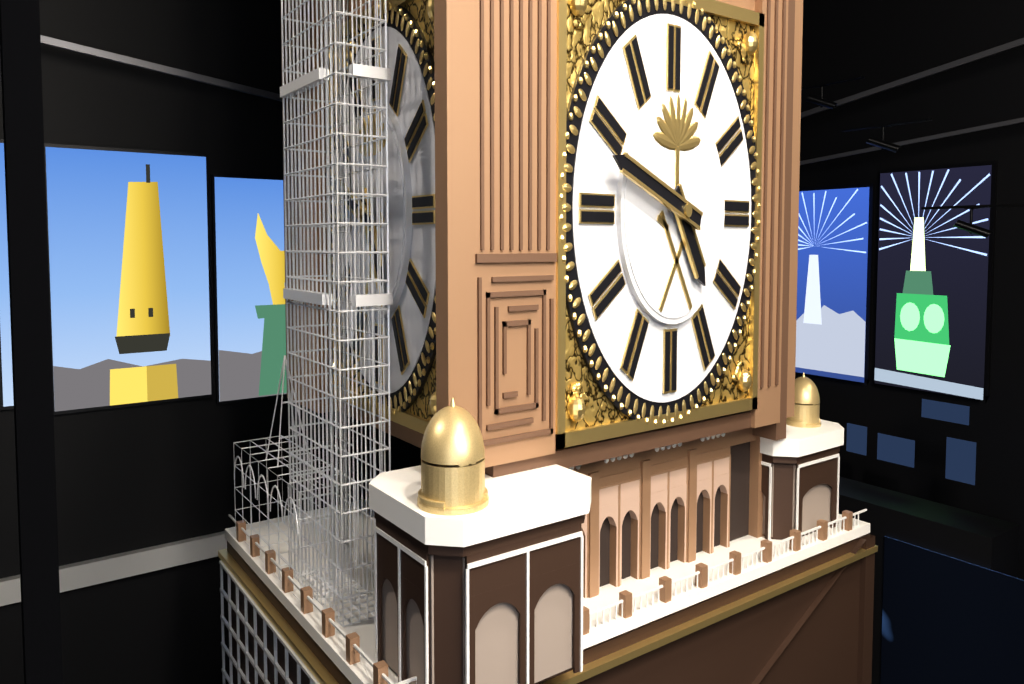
4:48
